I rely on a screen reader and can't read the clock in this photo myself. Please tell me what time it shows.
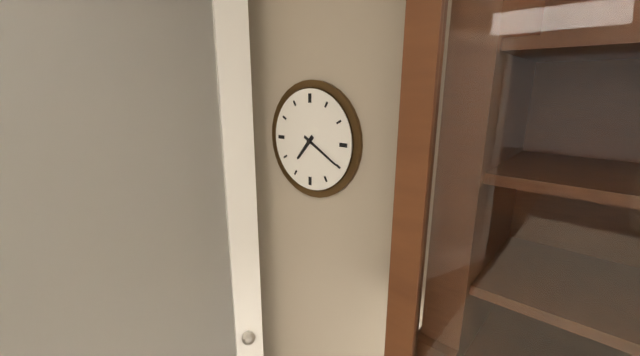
7:20
